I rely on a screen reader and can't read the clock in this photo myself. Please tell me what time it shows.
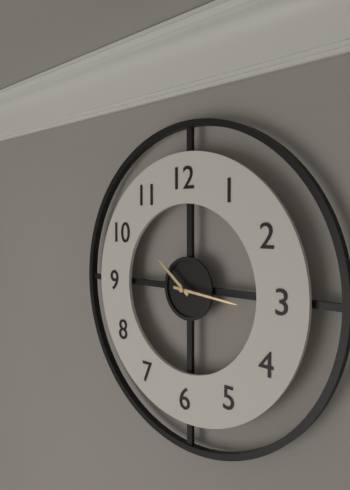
10:16
